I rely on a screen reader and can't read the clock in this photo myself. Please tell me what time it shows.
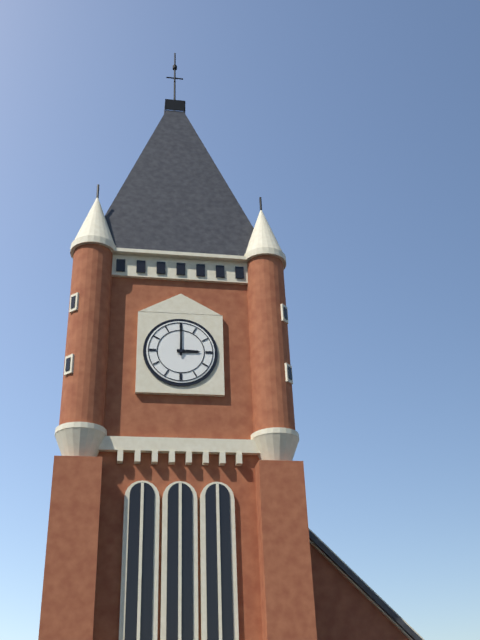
3:00
